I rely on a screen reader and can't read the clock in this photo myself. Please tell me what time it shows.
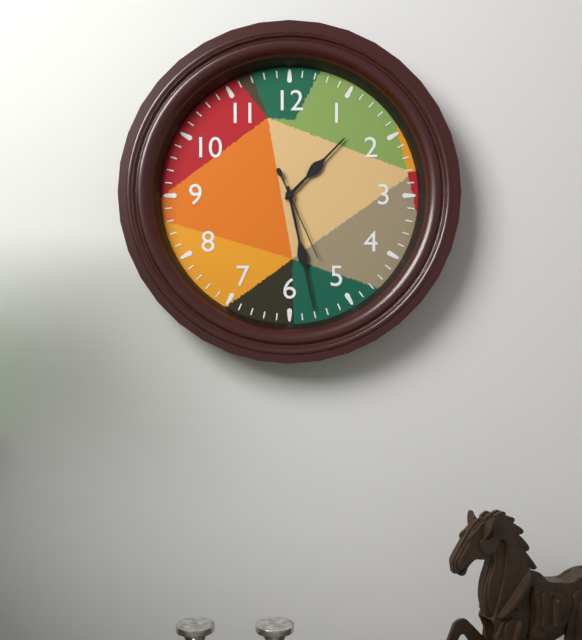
1:28:26
